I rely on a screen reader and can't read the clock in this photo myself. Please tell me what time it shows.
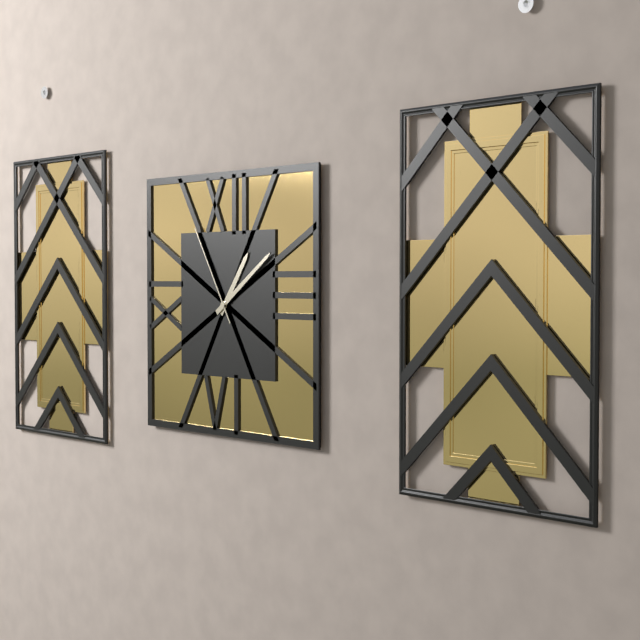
1:09:55
